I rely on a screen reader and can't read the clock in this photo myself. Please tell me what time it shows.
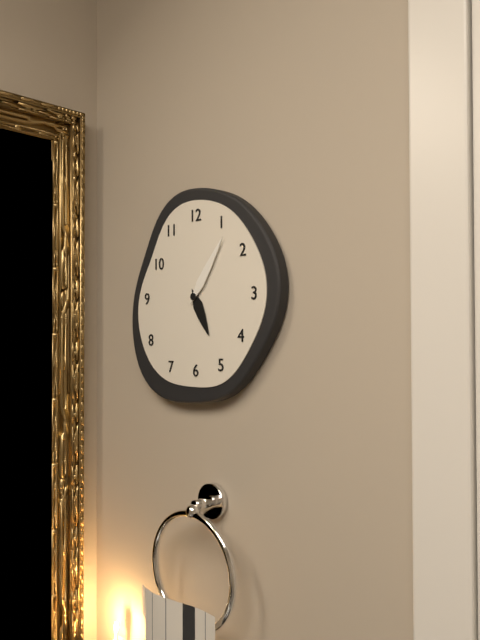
5:06
